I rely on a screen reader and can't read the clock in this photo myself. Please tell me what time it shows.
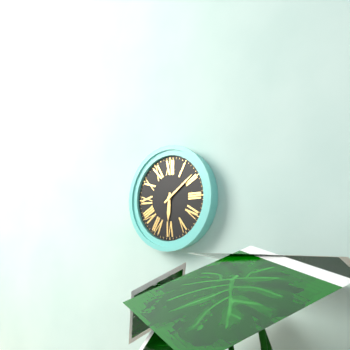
6:09
